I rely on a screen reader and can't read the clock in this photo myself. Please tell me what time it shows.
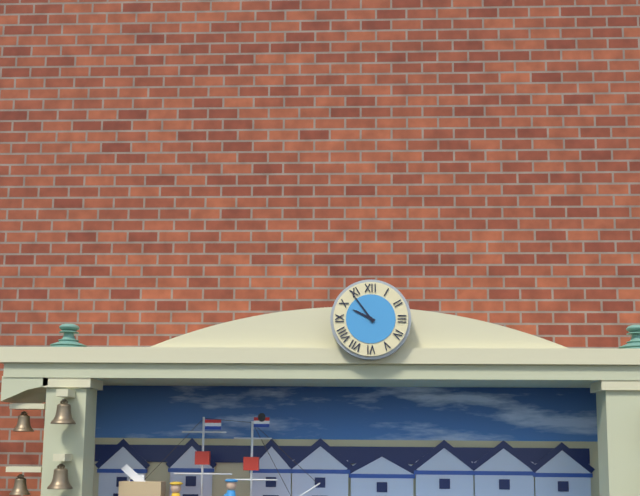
9:54
